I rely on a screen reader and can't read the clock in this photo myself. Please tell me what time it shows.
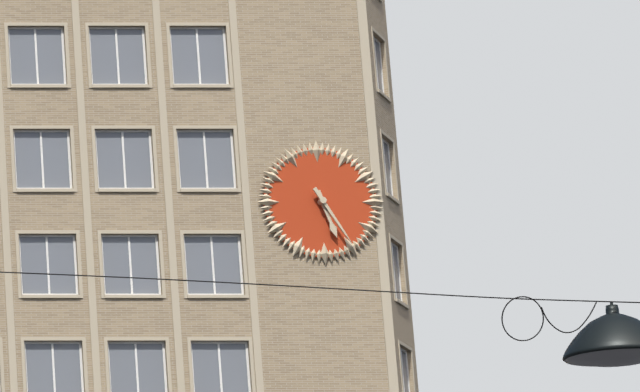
5:25
